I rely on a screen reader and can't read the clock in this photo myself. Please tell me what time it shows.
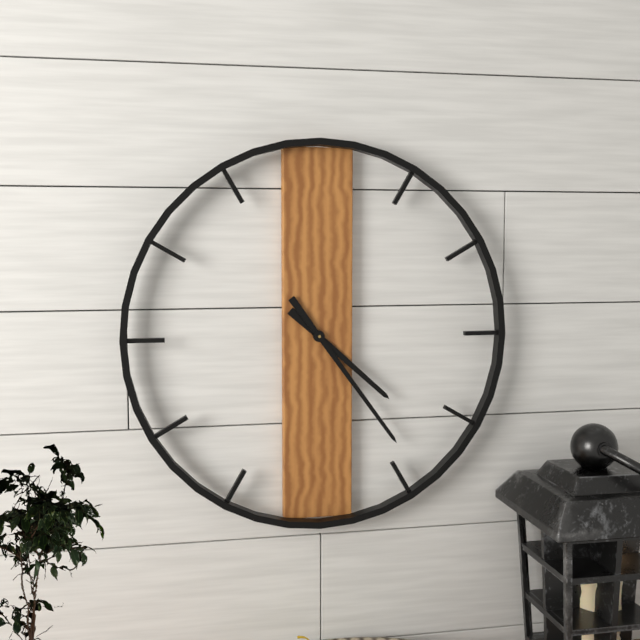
4:24
